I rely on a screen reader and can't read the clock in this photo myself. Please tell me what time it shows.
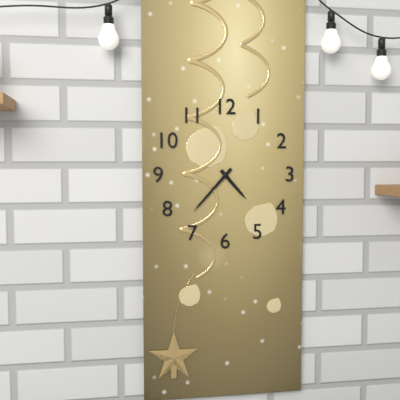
4:37
